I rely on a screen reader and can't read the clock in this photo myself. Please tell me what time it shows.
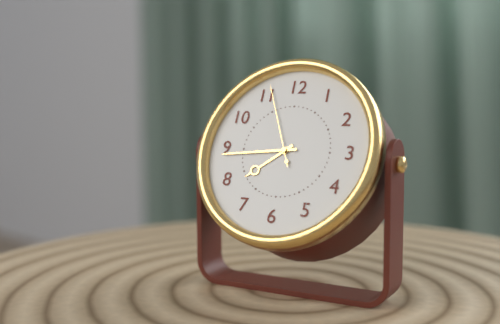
7:44:56
